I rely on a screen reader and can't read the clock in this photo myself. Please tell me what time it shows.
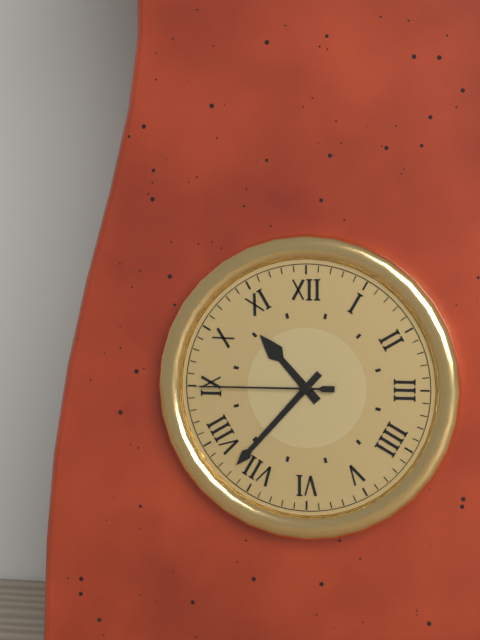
10:37:45
